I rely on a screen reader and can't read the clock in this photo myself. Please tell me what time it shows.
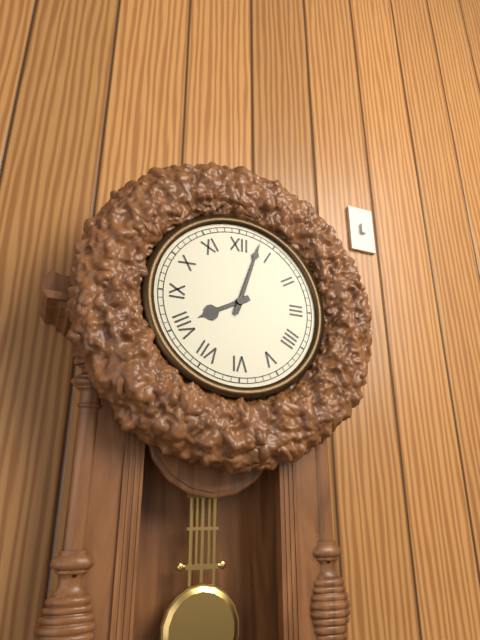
8:03
